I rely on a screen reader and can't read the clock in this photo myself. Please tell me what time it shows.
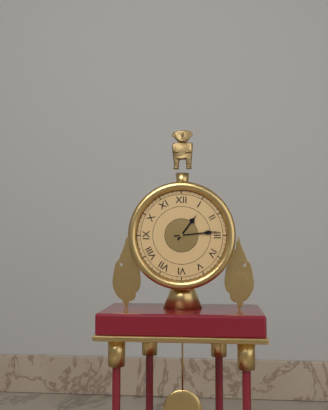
1:14
